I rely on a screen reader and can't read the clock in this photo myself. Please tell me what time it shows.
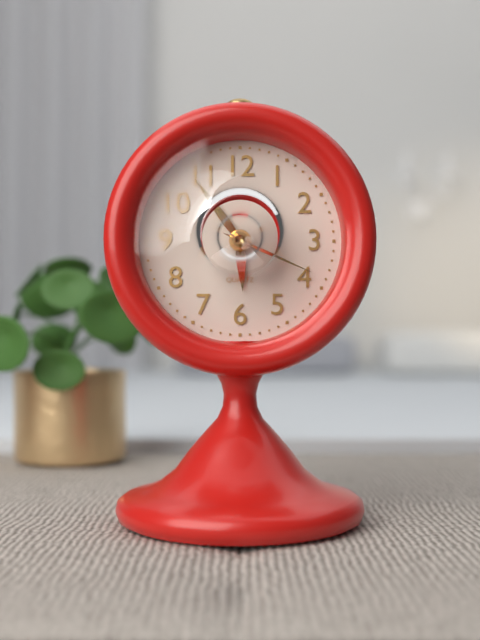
5:54:19
